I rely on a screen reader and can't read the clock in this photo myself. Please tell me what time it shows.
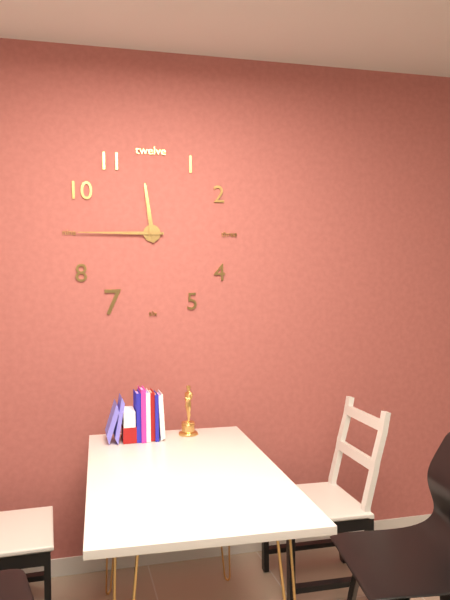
11:45
